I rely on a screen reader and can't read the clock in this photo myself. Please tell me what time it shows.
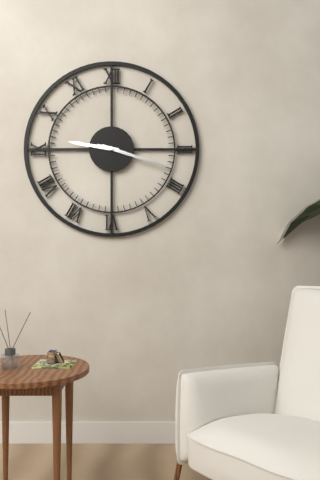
9:18:18
